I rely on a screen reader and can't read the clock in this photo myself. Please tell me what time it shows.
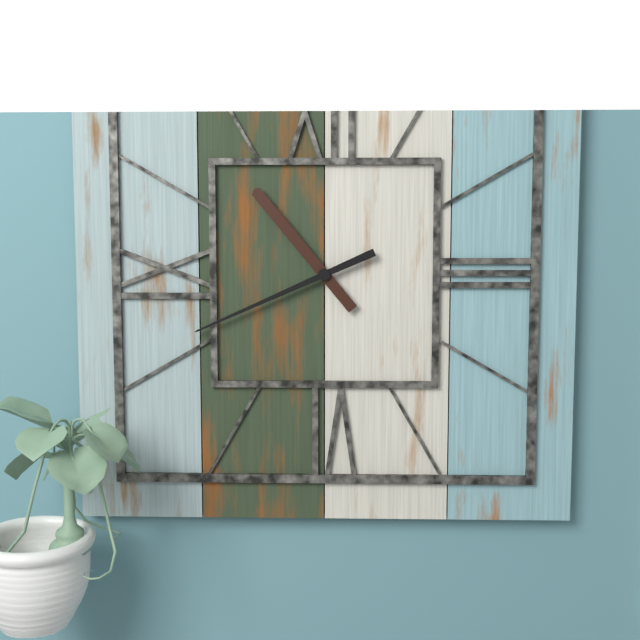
10:41
